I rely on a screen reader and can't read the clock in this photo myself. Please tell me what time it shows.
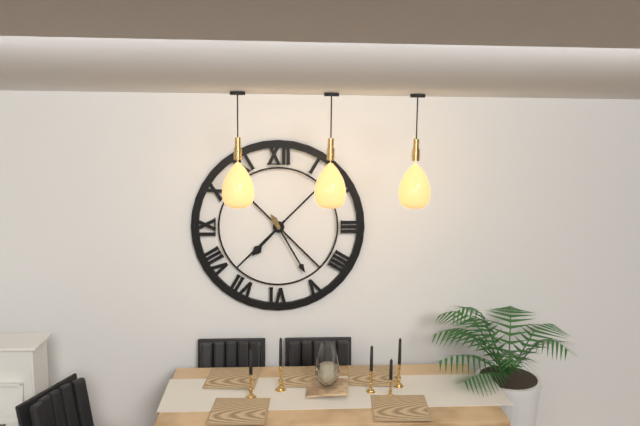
7:25
